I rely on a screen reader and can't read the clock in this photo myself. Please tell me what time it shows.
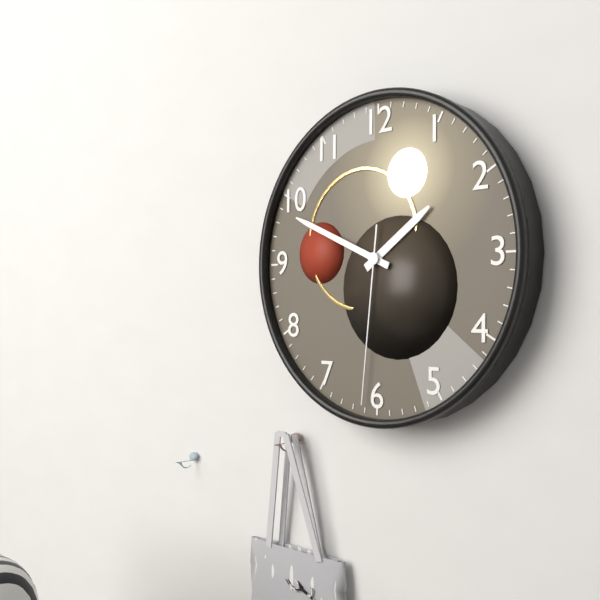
1:49:31
